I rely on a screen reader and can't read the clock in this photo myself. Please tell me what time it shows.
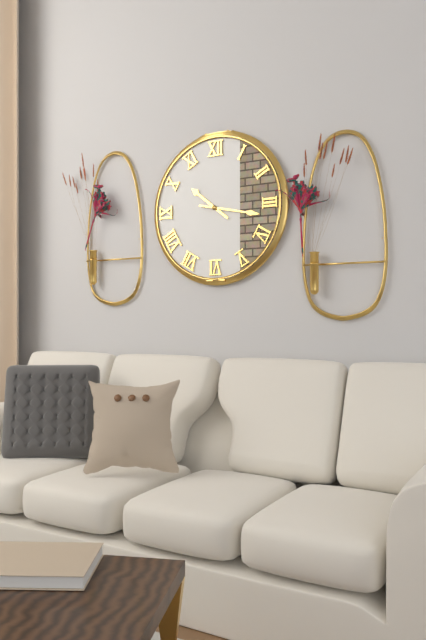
10:17
